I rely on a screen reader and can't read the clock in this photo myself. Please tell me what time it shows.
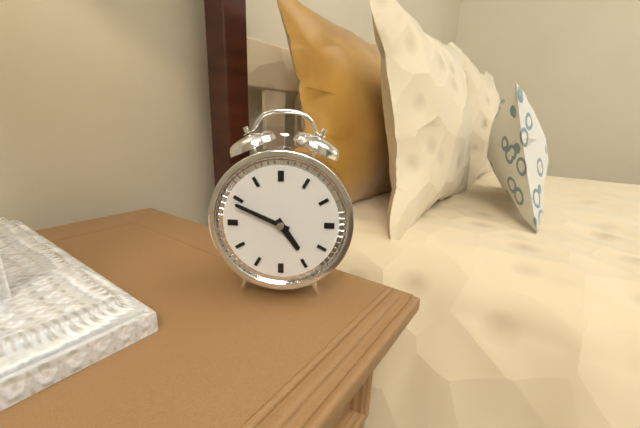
4:49
